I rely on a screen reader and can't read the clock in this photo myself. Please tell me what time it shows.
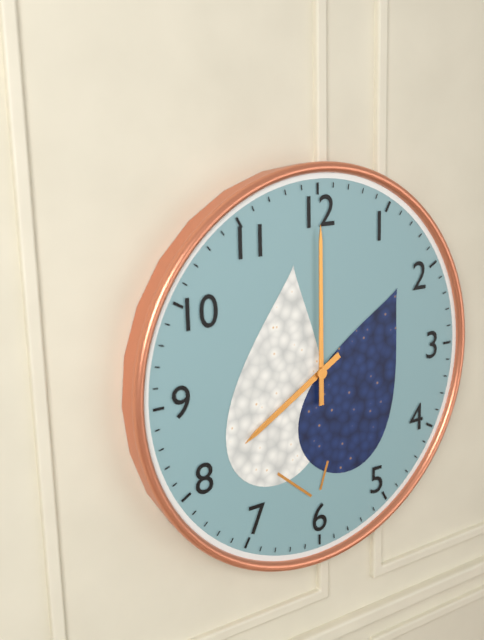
8:00
